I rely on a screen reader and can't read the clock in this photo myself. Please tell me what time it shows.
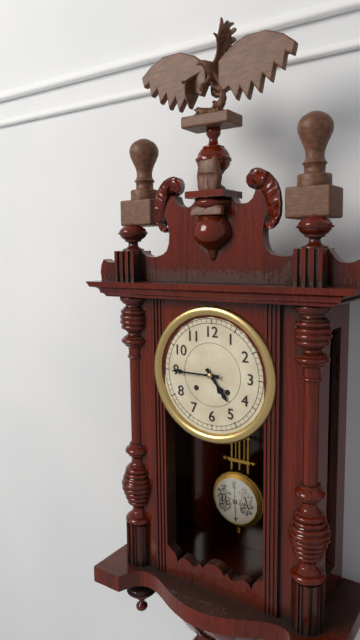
4:45
